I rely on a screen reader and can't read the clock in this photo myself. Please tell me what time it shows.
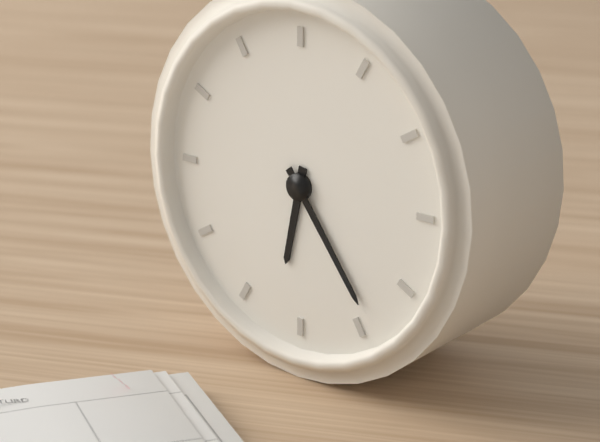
6:24
